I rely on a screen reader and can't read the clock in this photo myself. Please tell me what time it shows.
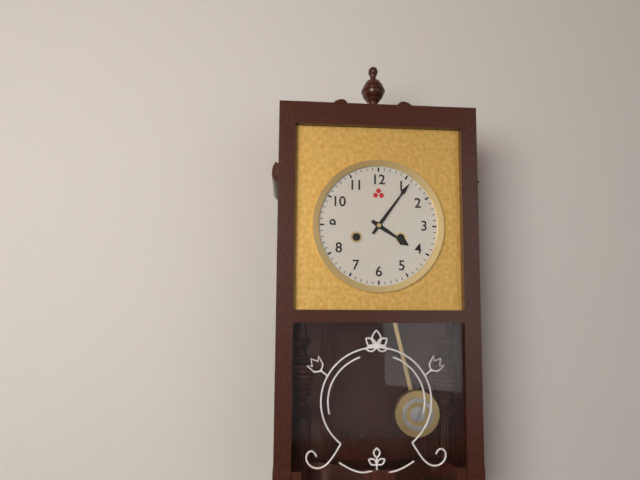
4:06
